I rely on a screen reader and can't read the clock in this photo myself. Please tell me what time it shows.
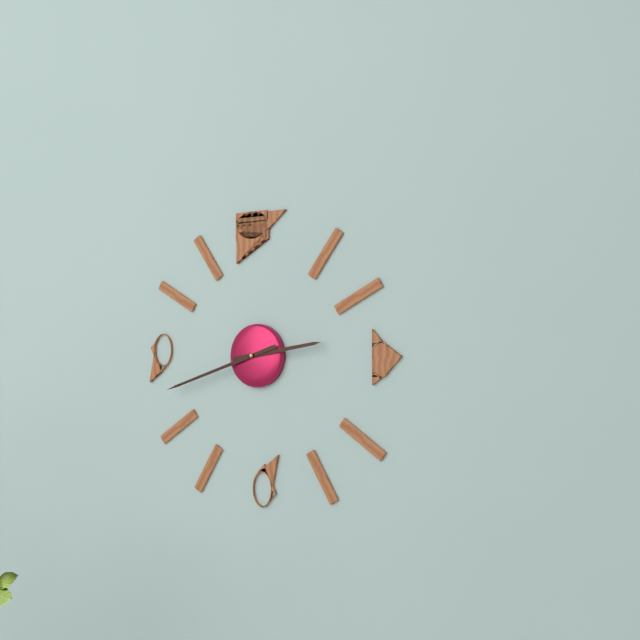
2:42
